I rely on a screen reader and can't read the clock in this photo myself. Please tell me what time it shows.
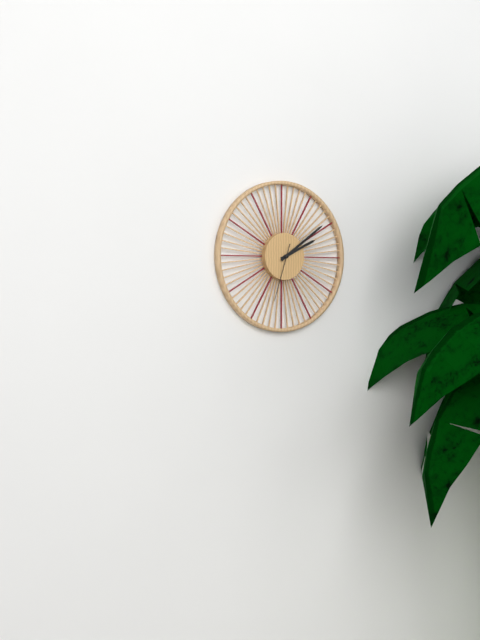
2:09:33
